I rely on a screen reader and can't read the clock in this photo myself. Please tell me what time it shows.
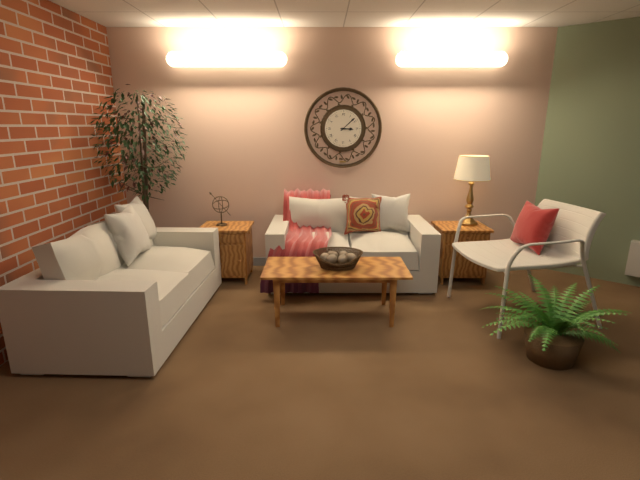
3:08
